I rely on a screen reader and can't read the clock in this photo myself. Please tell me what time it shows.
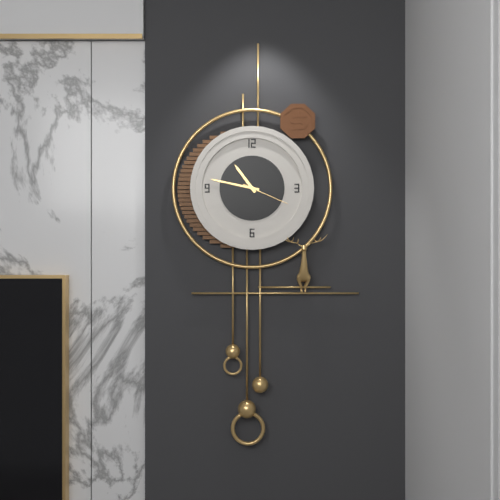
10:47
